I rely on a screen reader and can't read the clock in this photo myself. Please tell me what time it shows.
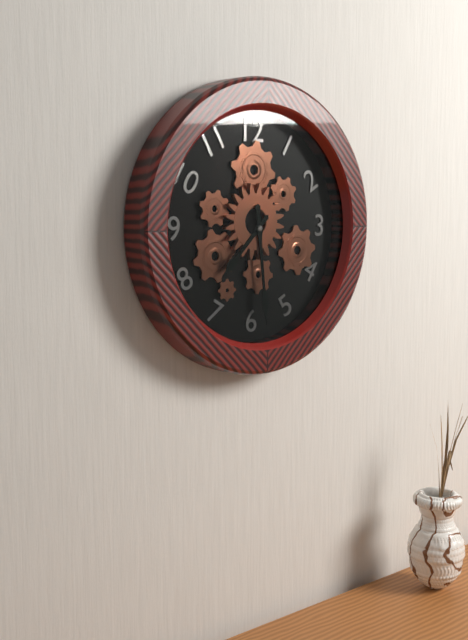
7:29
